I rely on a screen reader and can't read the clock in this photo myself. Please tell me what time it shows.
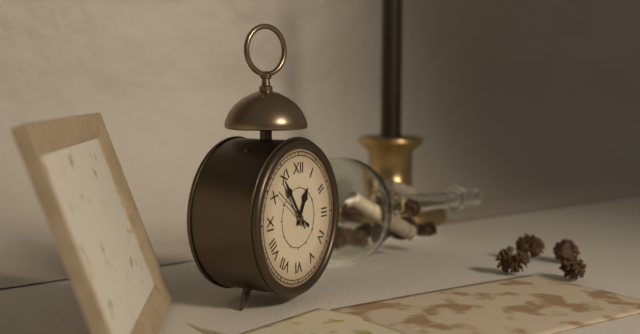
12:54
